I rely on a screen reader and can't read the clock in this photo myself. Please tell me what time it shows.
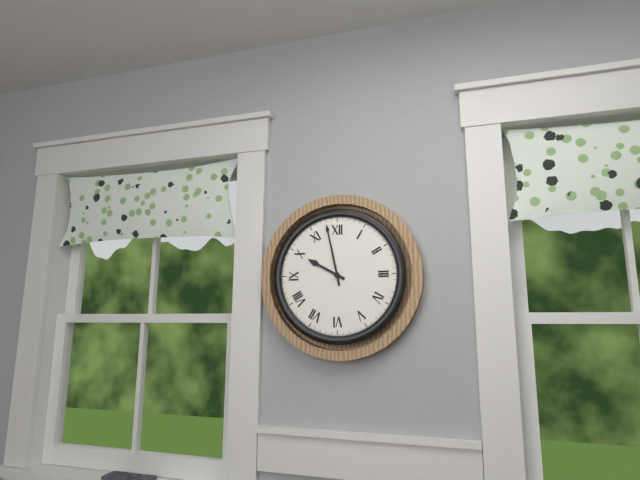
9:58
